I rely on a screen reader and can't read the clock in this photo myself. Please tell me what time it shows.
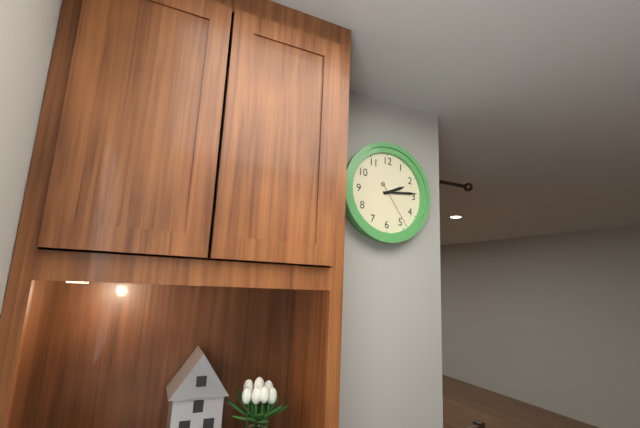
2:14
